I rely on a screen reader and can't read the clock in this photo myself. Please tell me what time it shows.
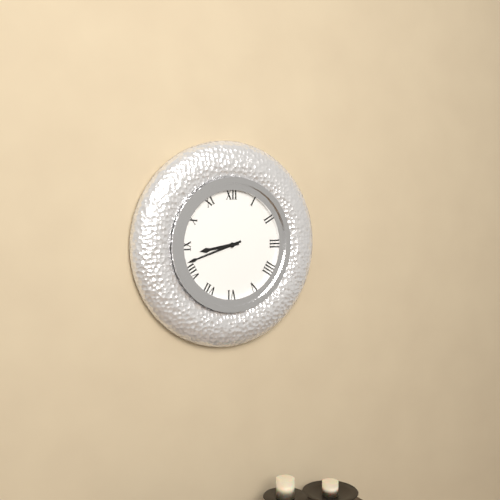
8:42
